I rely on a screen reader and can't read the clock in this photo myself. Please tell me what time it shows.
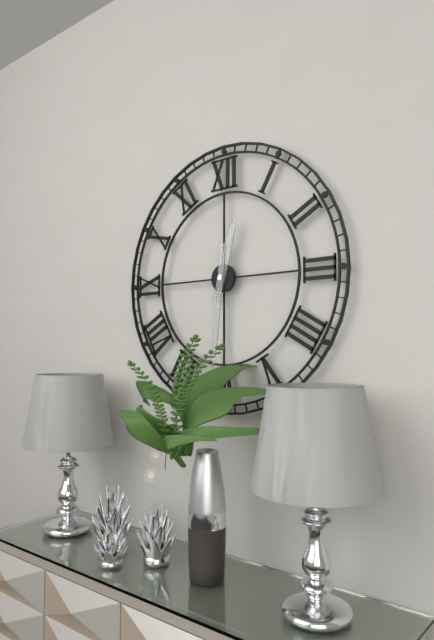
12:31
